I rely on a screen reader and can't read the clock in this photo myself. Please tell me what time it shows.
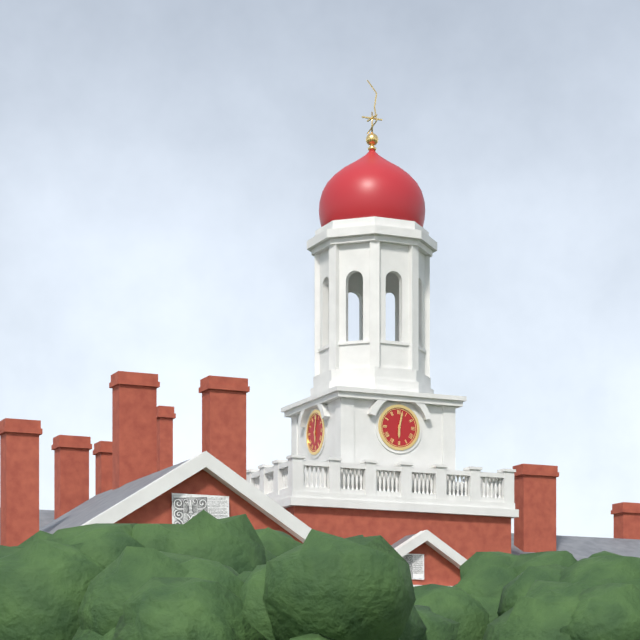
6:02
